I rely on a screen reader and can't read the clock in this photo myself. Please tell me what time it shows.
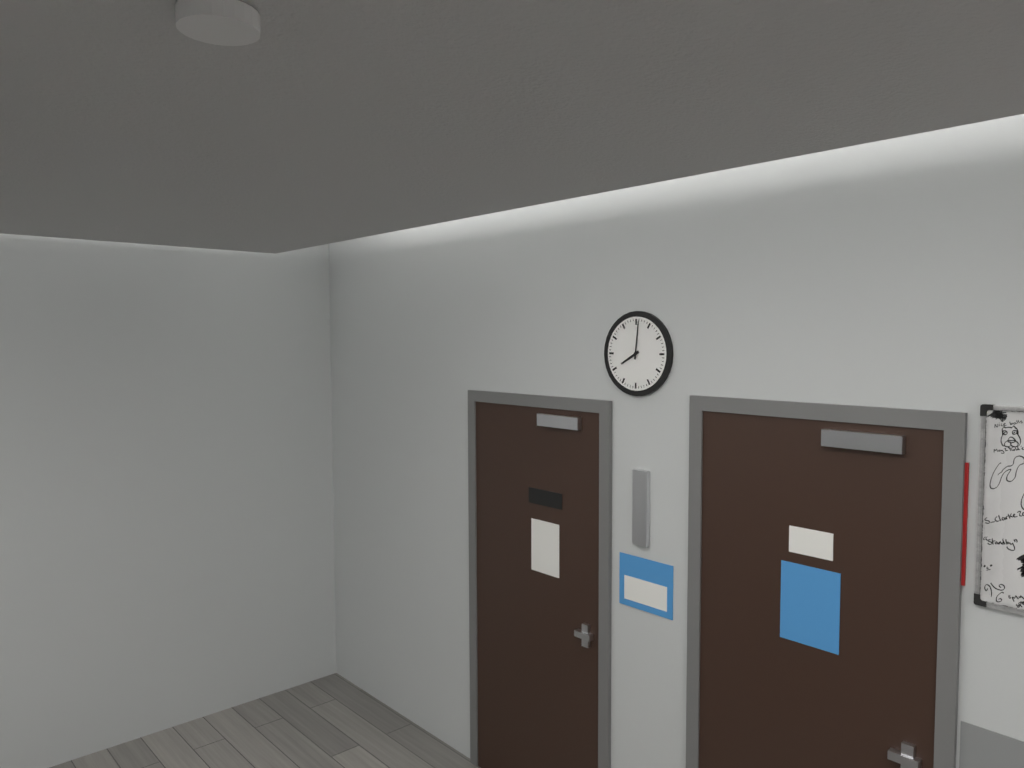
8:01
